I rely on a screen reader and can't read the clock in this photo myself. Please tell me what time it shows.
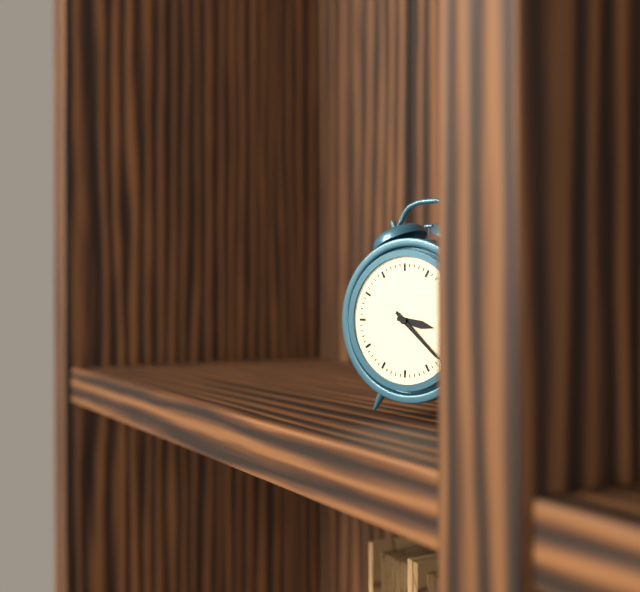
3:22
